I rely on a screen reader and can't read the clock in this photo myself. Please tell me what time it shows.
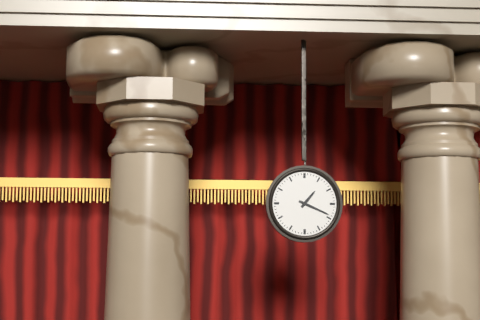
1:19
